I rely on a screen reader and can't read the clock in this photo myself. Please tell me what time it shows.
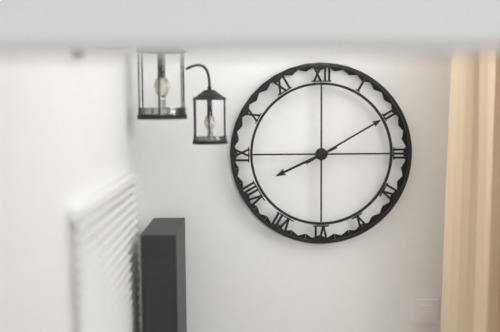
8:10
